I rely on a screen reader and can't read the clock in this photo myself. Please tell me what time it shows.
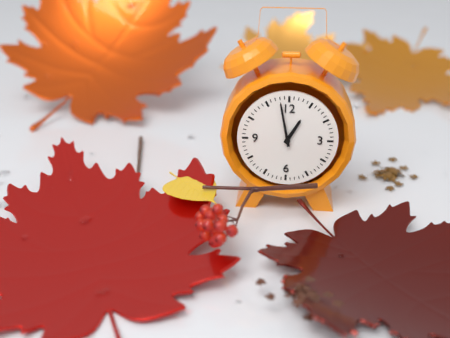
12:58
